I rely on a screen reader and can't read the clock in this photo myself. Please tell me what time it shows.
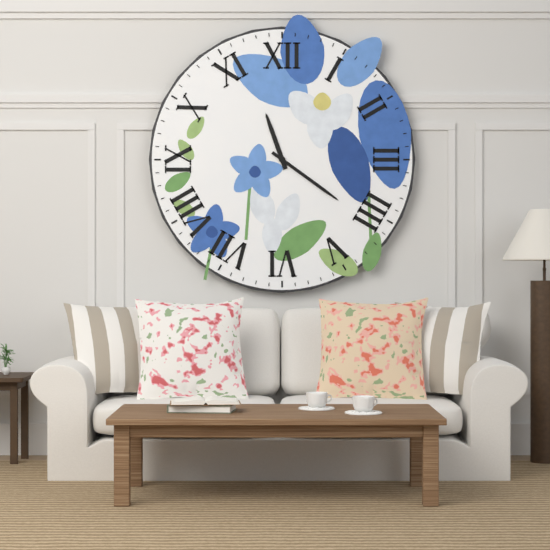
11:21
